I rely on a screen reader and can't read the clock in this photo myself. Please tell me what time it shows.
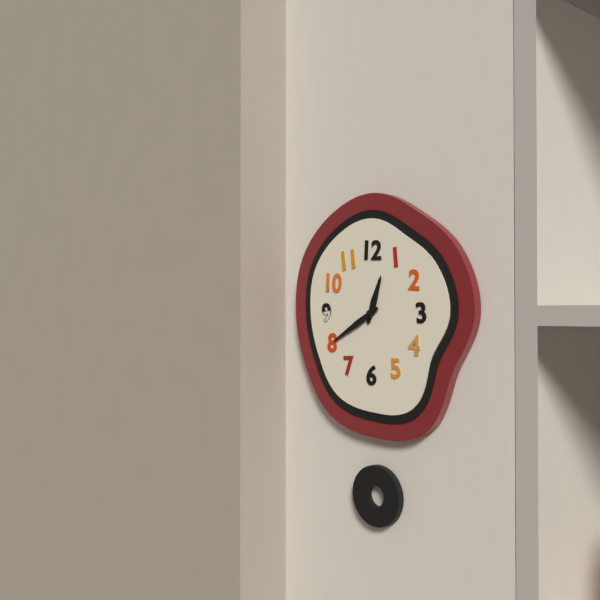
12:40
